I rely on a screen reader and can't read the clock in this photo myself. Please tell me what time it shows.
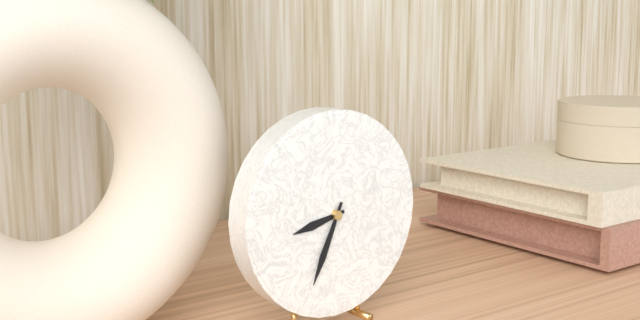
8:34
